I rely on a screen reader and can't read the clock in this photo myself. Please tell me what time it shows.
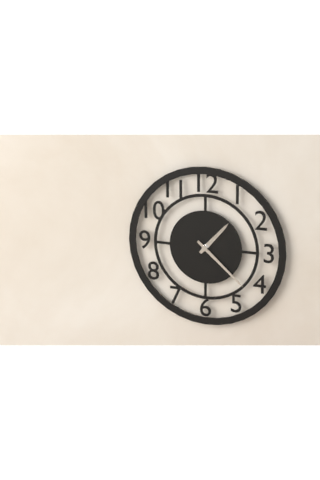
1:22
